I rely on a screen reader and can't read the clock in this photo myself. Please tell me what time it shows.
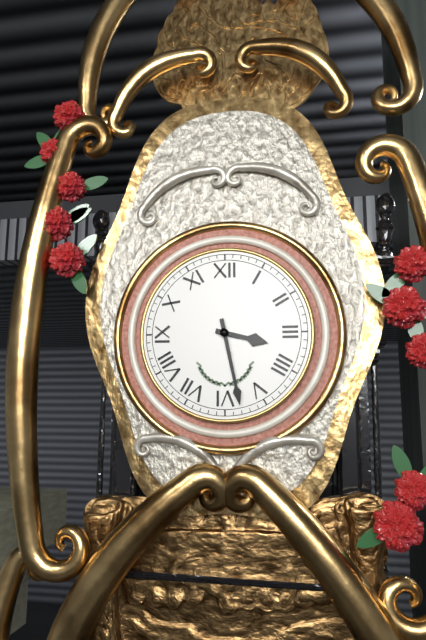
3:28
